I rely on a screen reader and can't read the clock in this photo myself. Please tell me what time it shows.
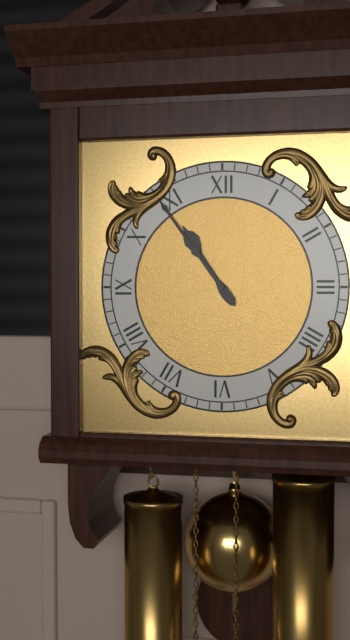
10:54
